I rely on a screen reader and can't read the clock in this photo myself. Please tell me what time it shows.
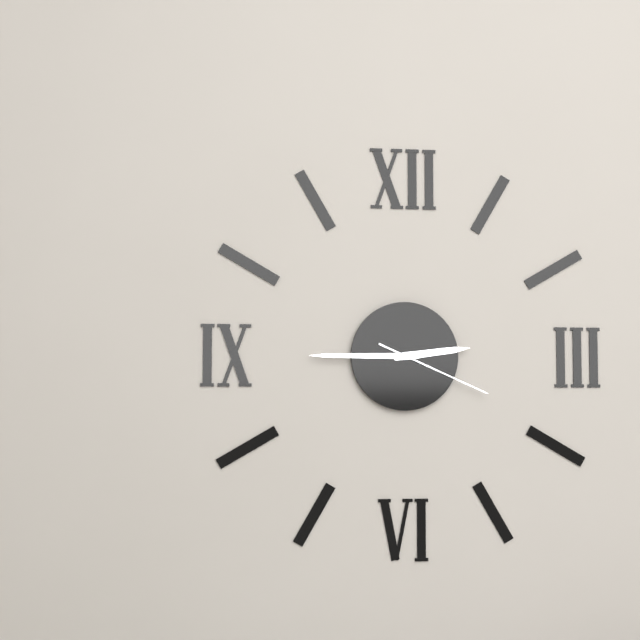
2:45:19
